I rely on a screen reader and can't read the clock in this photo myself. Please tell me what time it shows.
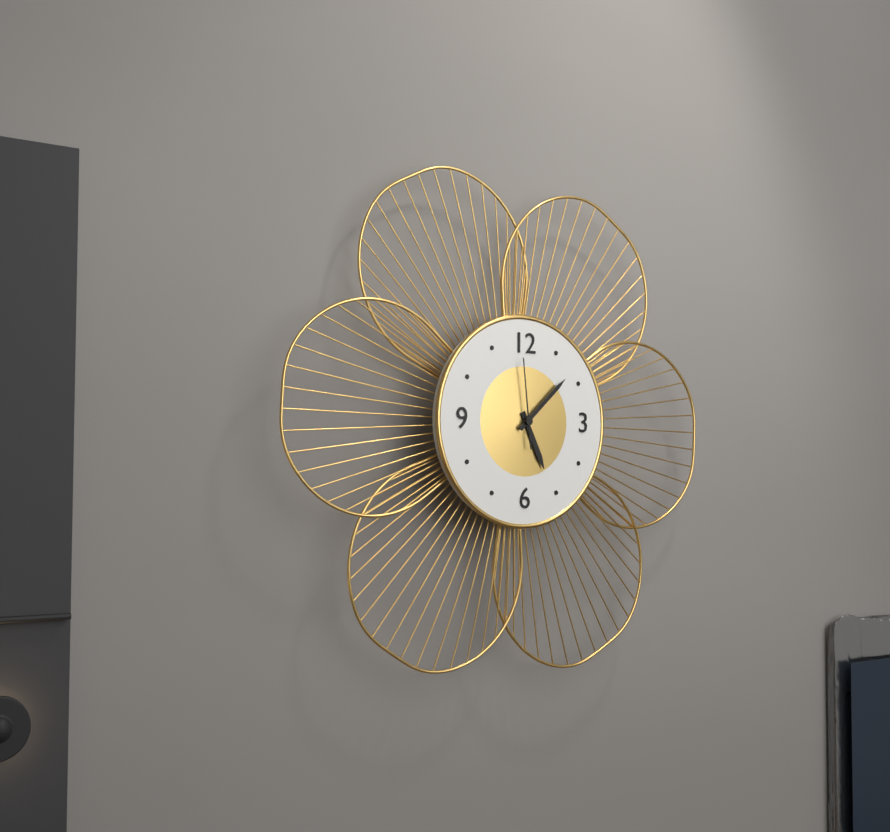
5:08:59
